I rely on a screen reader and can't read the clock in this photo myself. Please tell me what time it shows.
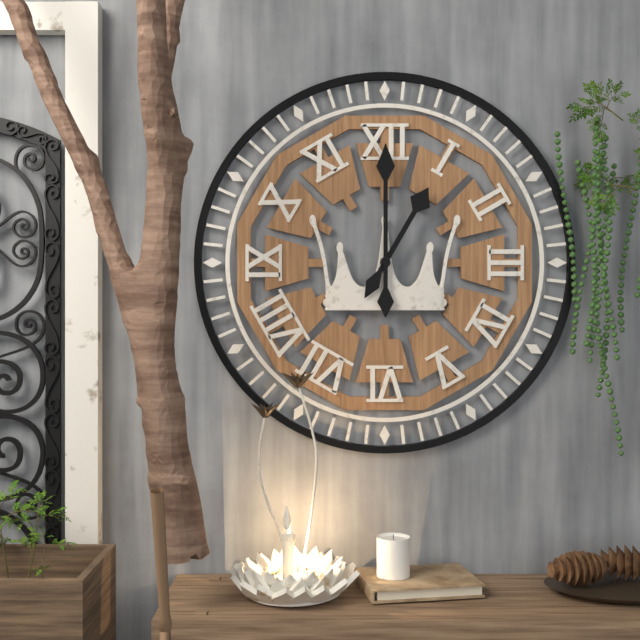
1:00
